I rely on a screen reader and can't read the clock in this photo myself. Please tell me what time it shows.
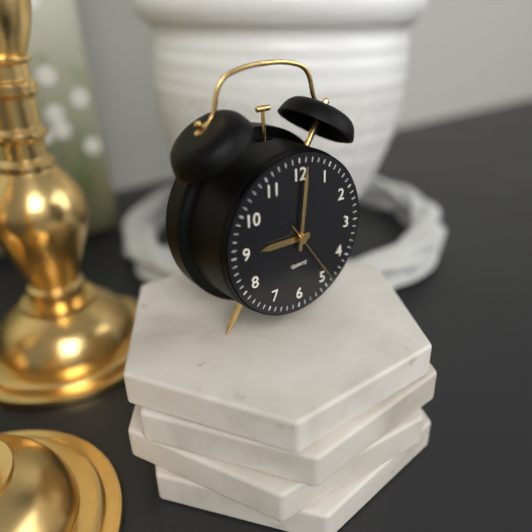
9:01:24
